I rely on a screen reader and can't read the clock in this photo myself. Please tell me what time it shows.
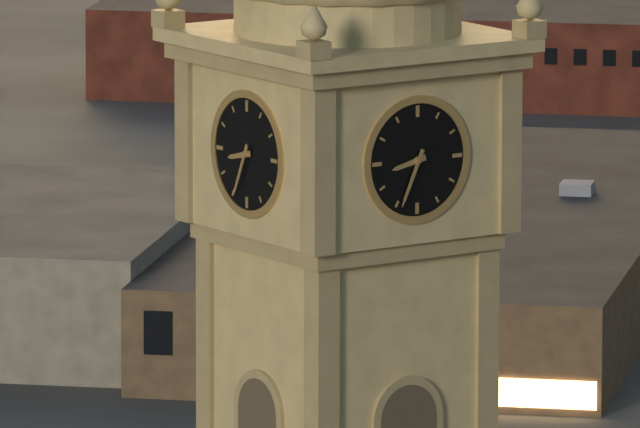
8:34
